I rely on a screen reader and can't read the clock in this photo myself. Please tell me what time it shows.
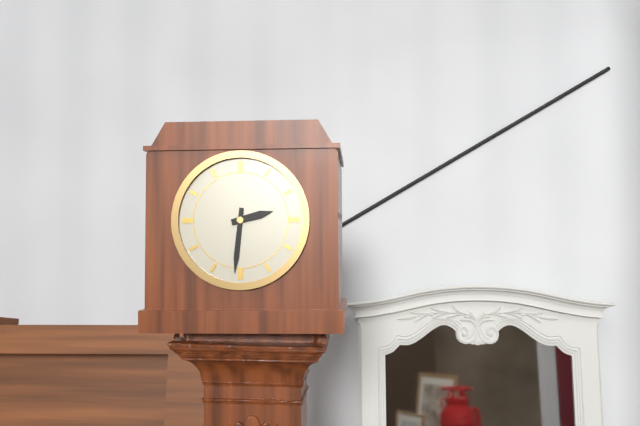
2:31
